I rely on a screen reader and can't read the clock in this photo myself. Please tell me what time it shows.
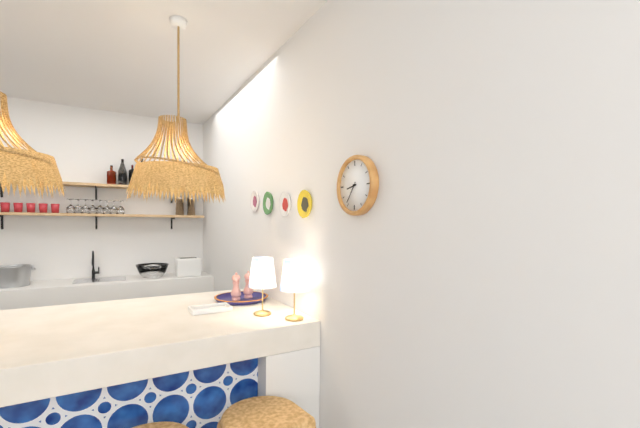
8:36
